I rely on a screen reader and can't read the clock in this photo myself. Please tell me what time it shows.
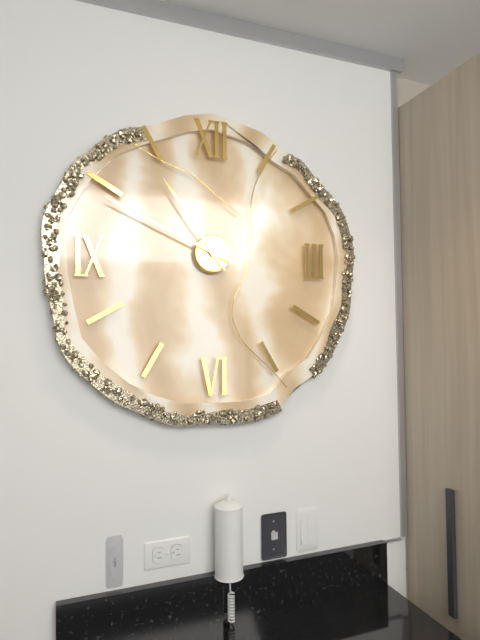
10:49
